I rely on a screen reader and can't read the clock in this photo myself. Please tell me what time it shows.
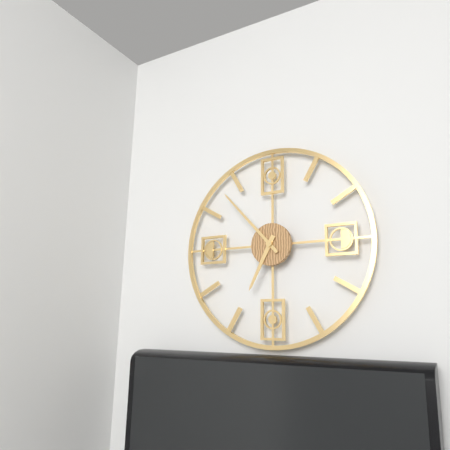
6:53
